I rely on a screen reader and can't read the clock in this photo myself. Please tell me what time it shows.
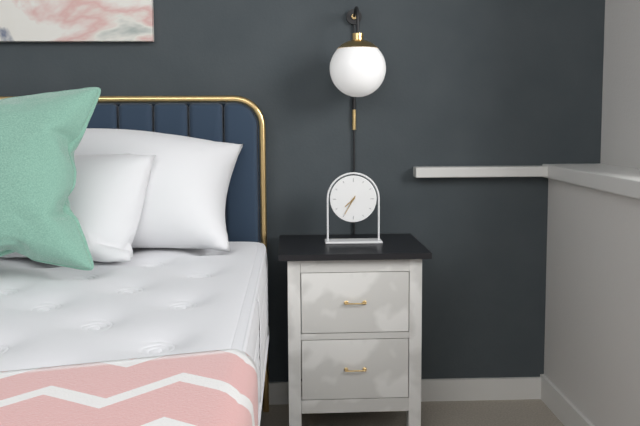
7:35
